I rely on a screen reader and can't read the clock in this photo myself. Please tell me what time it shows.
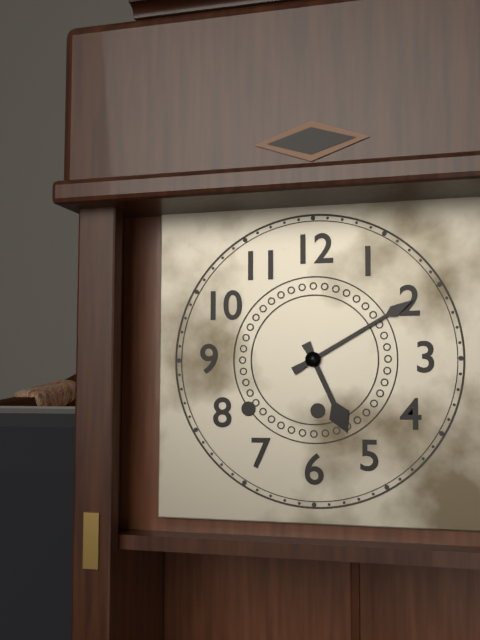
5:10
